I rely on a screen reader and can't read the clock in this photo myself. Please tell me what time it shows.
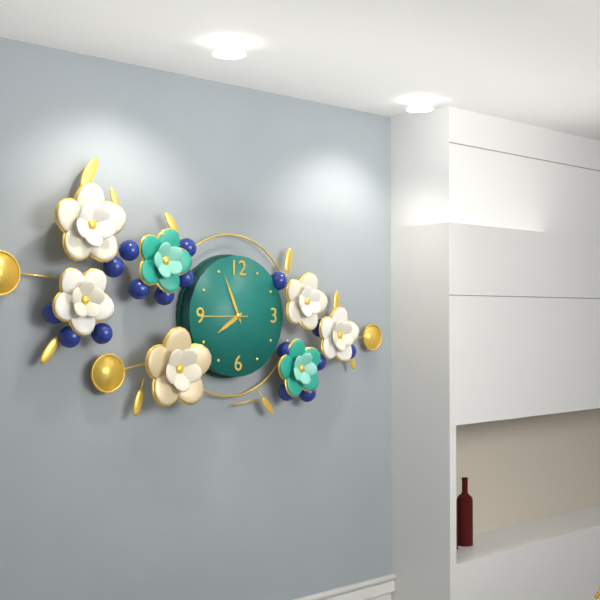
7:56:45
